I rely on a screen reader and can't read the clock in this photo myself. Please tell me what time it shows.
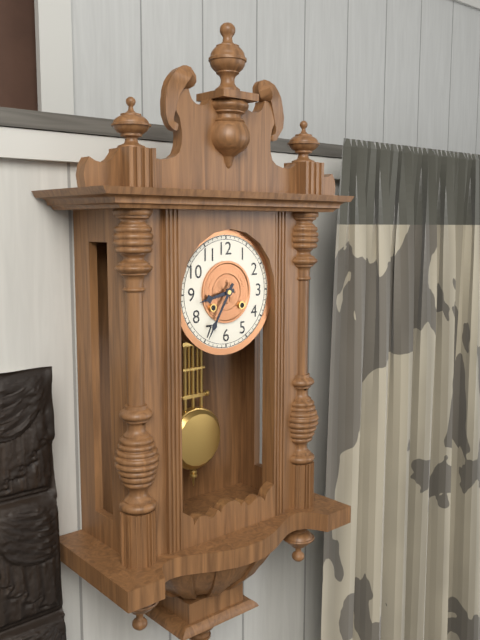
8:35
